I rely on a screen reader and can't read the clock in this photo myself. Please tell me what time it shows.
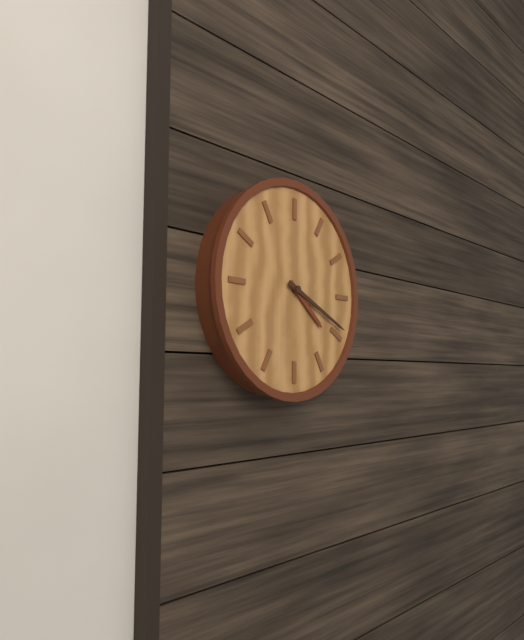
4:19
